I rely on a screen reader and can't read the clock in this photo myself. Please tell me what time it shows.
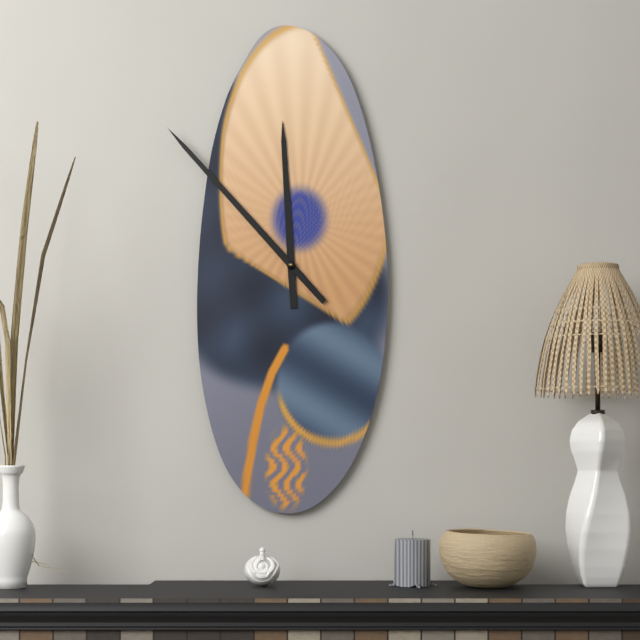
11:53
